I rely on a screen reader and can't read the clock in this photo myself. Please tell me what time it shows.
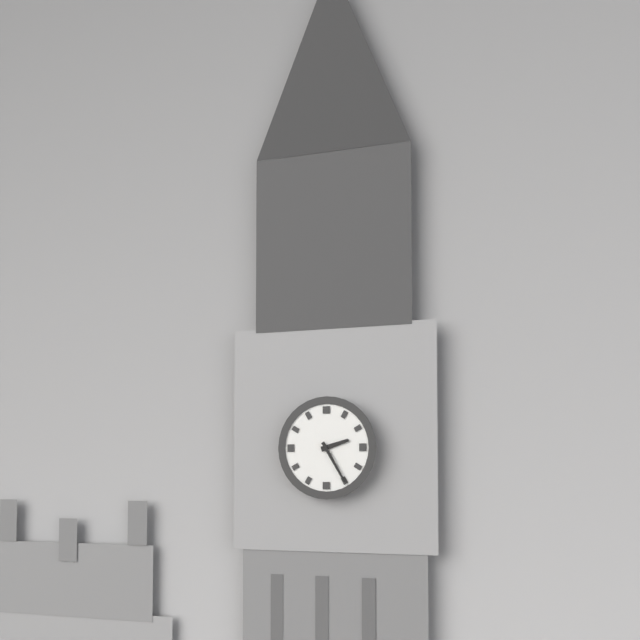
2:25
